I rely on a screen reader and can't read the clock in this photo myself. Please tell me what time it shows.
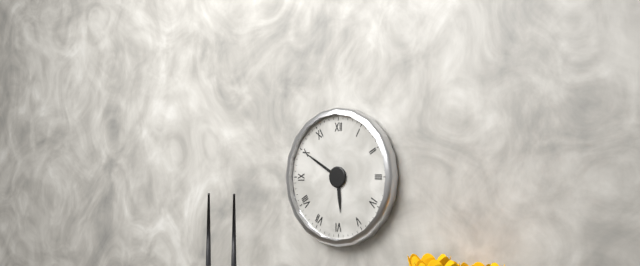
5:50
